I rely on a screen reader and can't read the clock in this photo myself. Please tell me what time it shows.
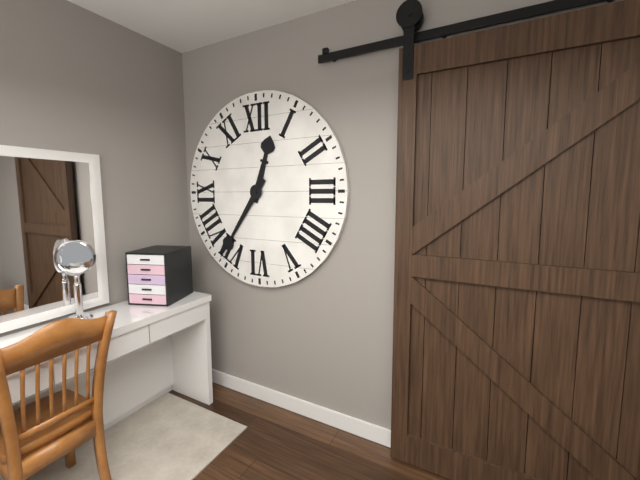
12:36
